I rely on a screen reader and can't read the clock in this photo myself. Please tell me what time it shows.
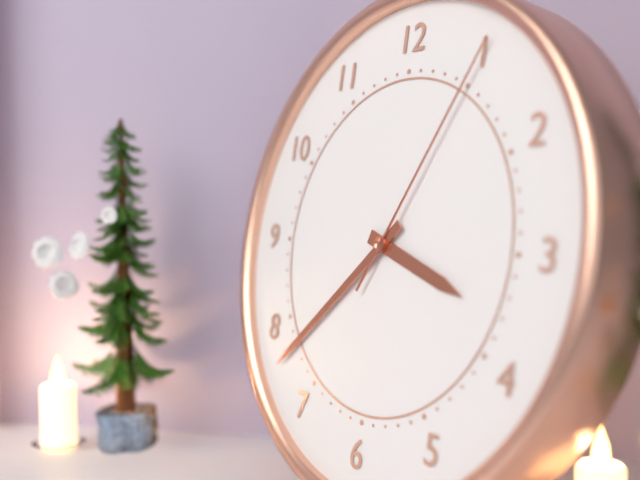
3:38:05
